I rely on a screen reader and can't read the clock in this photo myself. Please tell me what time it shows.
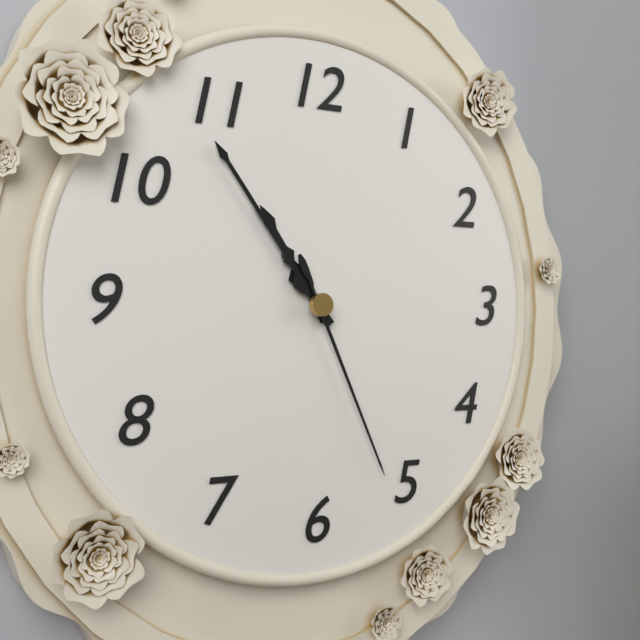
10:54:26
